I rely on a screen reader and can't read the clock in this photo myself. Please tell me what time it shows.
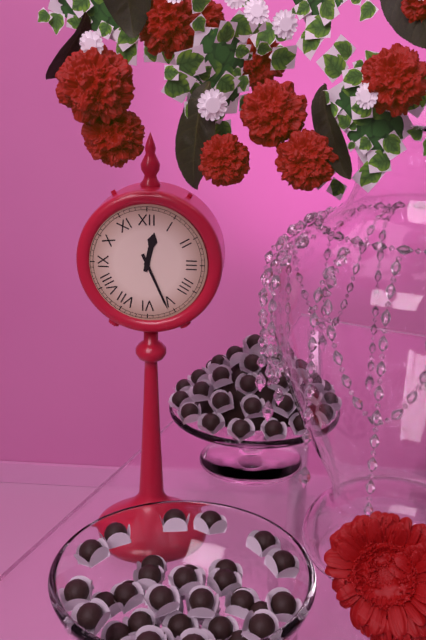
12:26
